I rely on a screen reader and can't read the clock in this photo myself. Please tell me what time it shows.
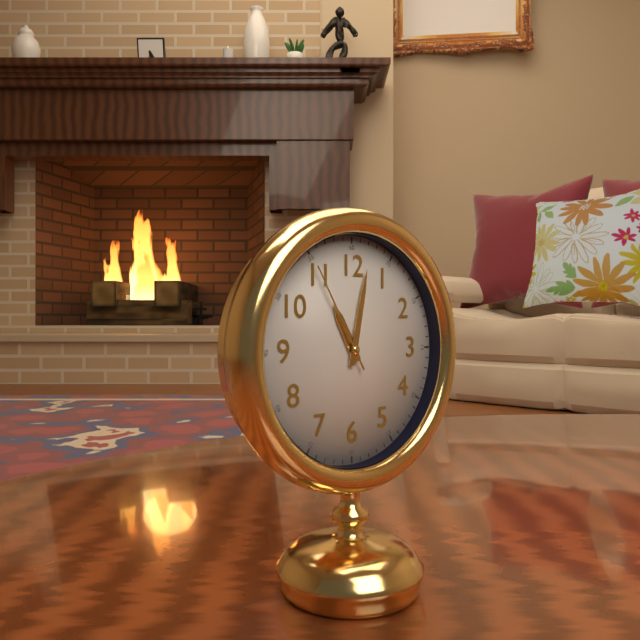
11:02:55
